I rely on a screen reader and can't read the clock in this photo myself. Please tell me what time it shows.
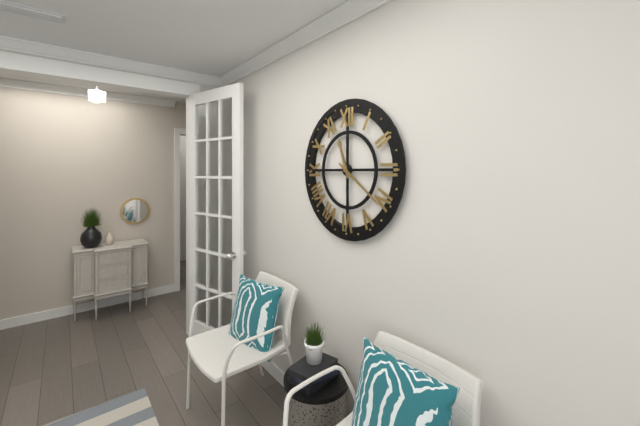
11:21
